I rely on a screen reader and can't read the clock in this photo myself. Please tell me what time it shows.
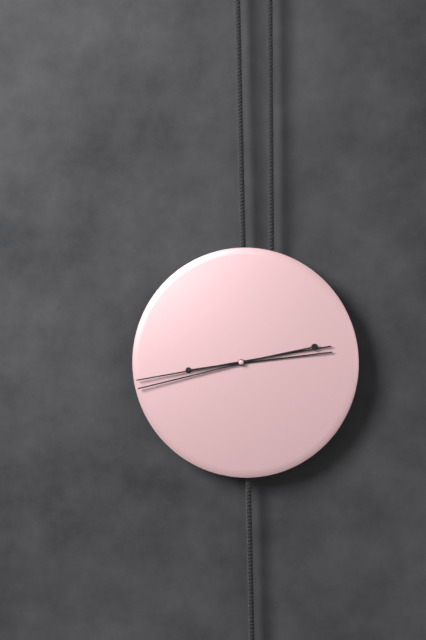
2:43
